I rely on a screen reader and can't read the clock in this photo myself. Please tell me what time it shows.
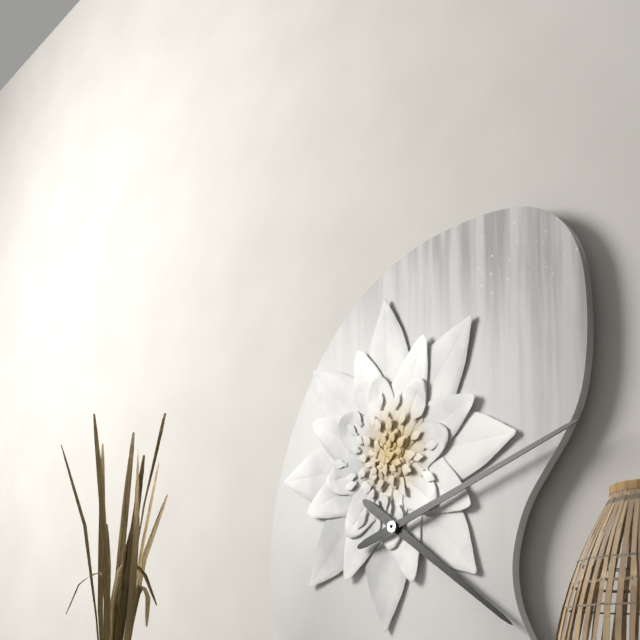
4:12
